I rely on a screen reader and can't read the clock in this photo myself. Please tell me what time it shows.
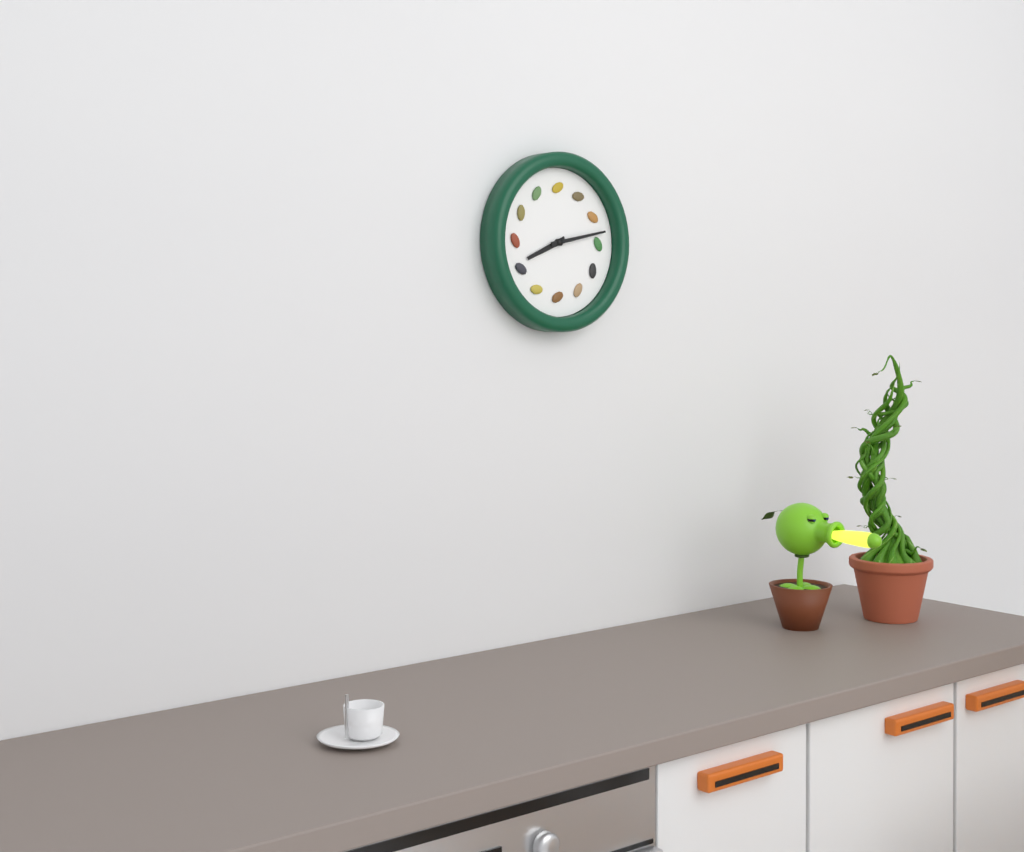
8:13
